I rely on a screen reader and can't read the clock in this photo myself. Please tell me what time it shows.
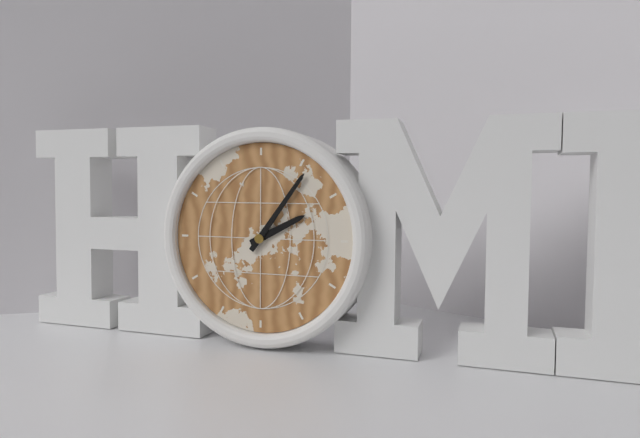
2:06
